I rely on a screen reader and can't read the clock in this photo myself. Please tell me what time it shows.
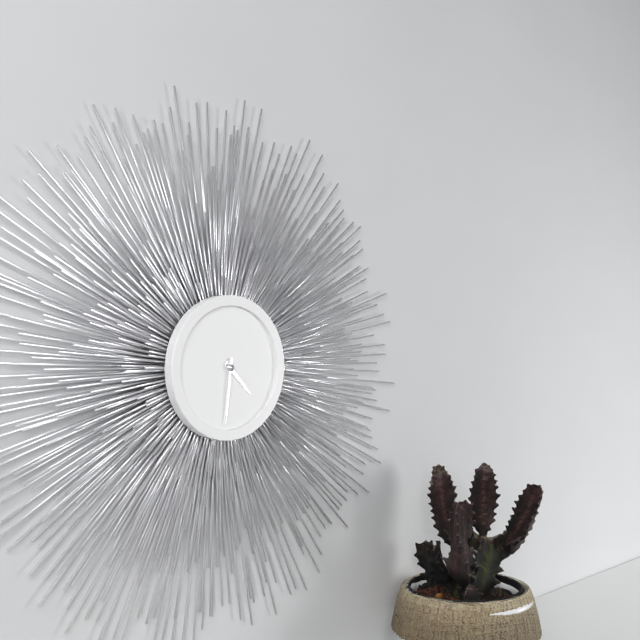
4:31
